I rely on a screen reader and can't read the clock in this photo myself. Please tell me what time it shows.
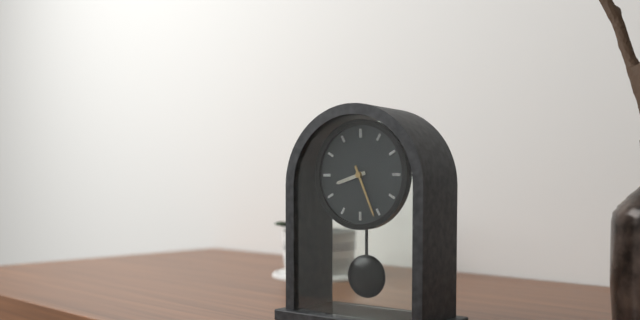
8:26
